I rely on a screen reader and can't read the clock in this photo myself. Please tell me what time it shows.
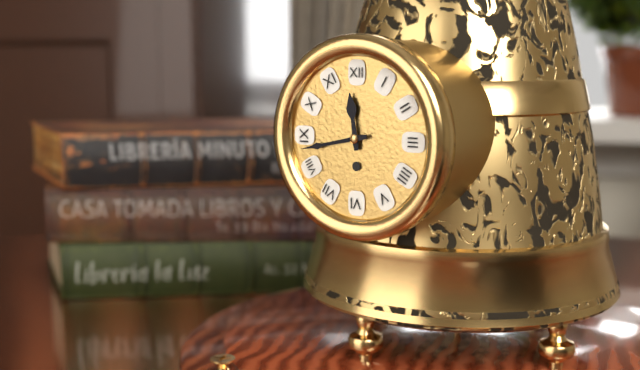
11:43
